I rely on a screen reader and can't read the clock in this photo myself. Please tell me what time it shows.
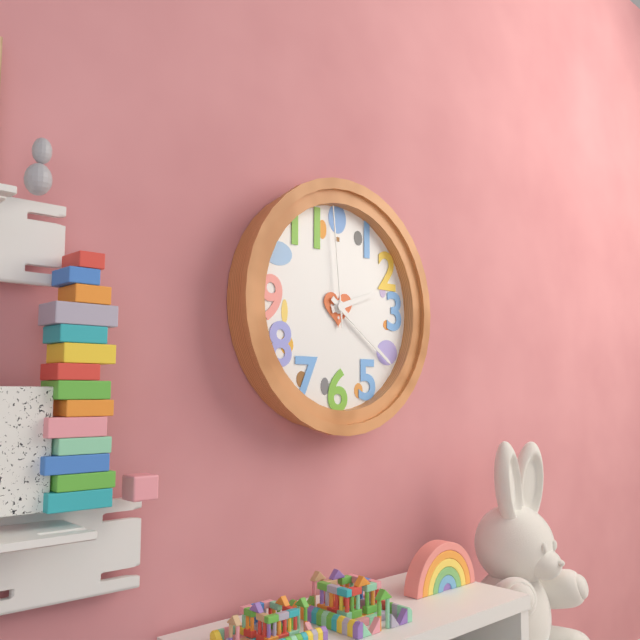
2:21:59
